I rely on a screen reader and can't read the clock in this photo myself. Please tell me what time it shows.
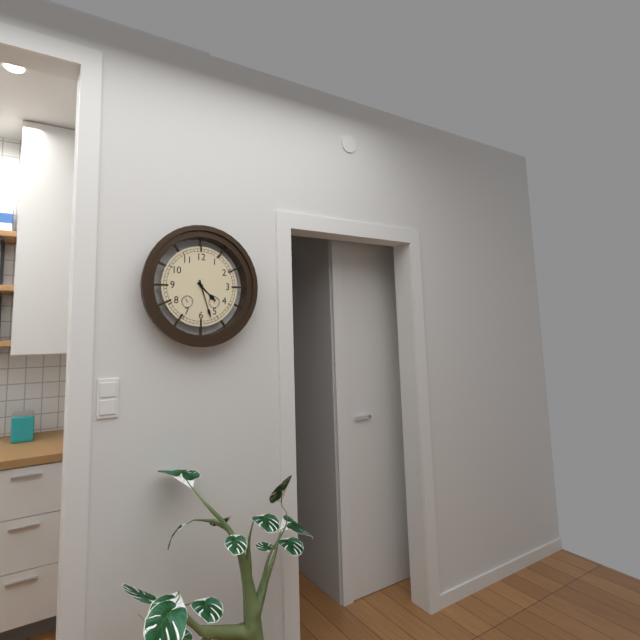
4:27
